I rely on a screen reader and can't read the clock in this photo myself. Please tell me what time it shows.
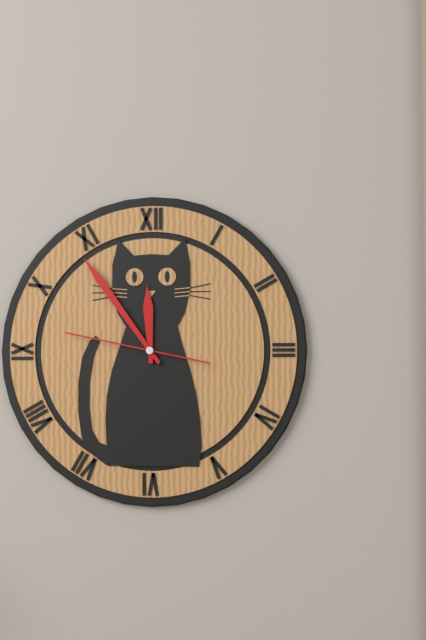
11:54:47
